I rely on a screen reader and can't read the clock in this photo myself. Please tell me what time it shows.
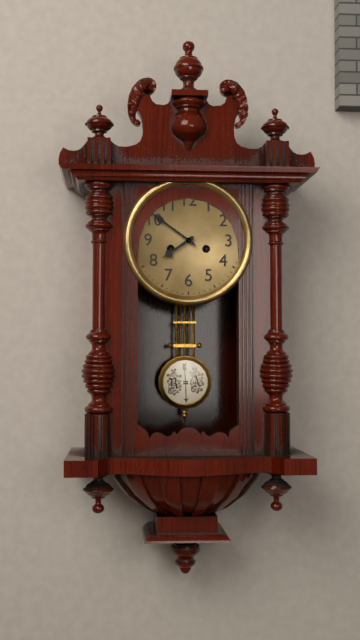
7:51
